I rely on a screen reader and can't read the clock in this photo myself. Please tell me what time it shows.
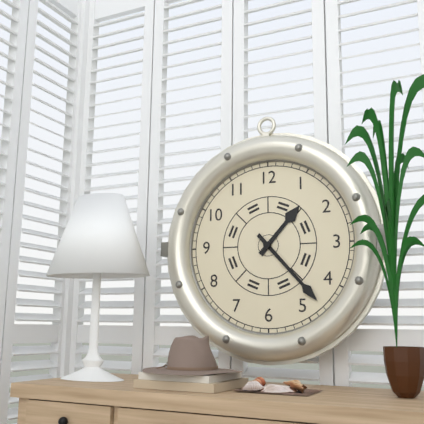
1:23
